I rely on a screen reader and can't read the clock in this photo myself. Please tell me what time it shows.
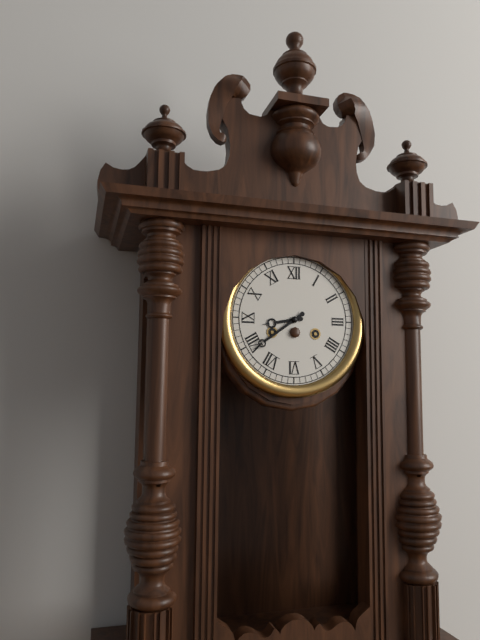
8:39
